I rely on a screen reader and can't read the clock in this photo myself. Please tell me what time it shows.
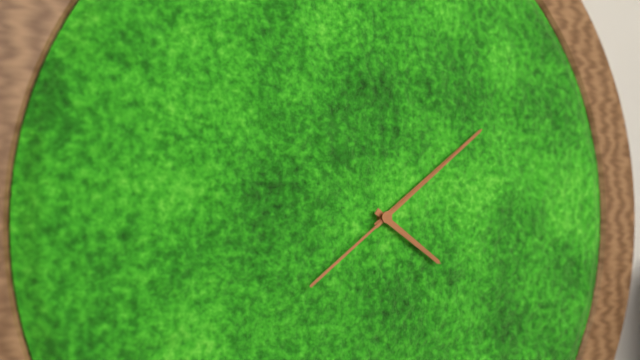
4:09:09
